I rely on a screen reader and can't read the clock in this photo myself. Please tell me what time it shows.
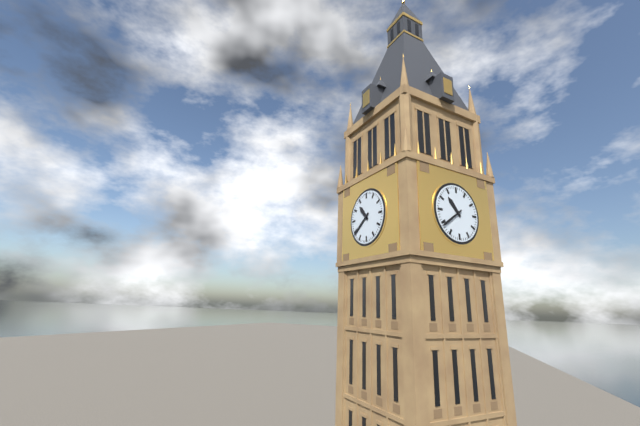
10:39
